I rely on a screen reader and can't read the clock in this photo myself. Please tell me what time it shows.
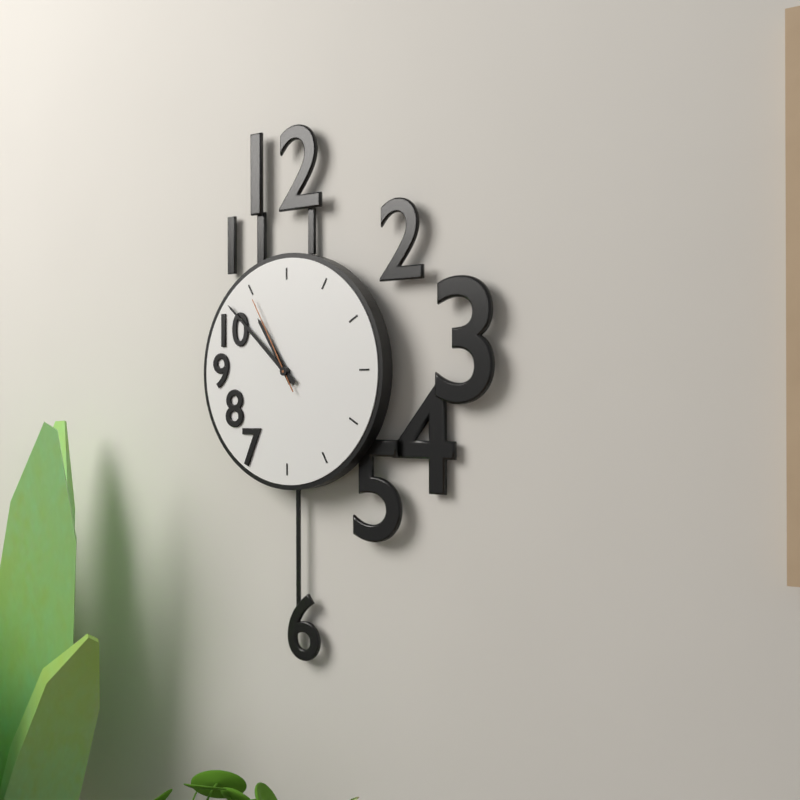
10:52:55
